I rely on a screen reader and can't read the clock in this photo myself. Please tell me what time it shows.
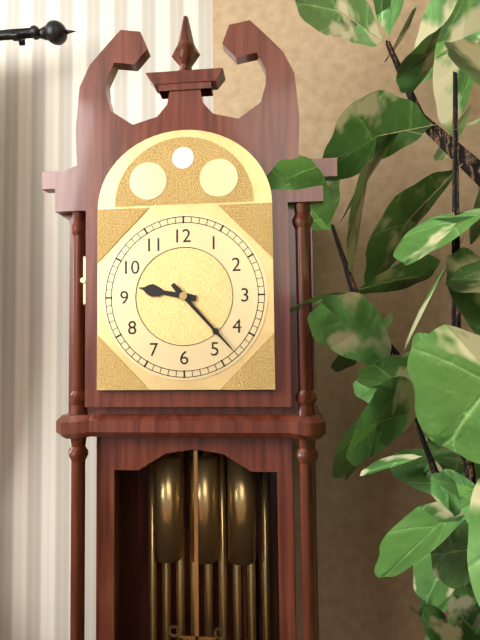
9:23
